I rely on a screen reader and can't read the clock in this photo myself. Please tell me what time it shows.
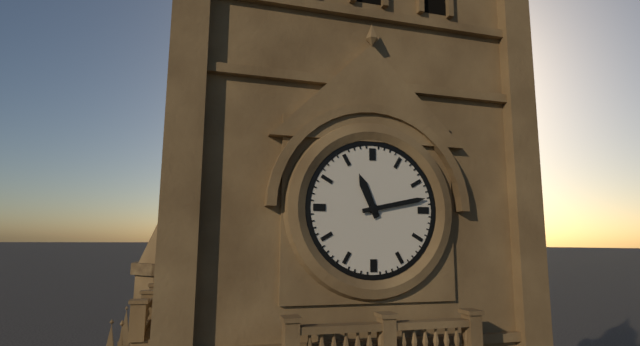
11:13
